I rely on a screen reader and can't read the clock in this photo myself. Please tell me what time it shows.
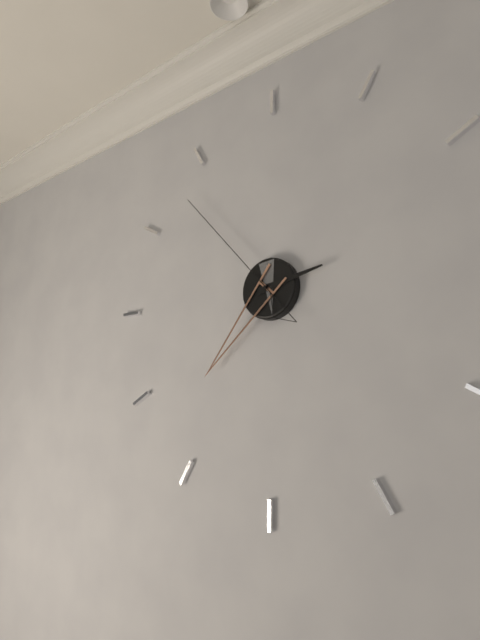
2:37:53
